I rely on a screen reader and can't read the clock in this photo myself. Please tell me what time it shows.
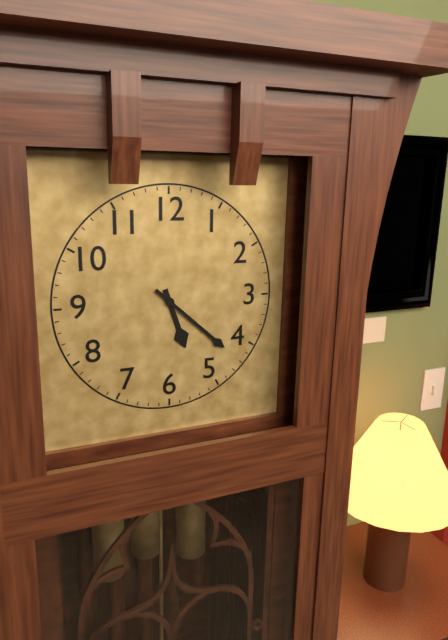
5:22
